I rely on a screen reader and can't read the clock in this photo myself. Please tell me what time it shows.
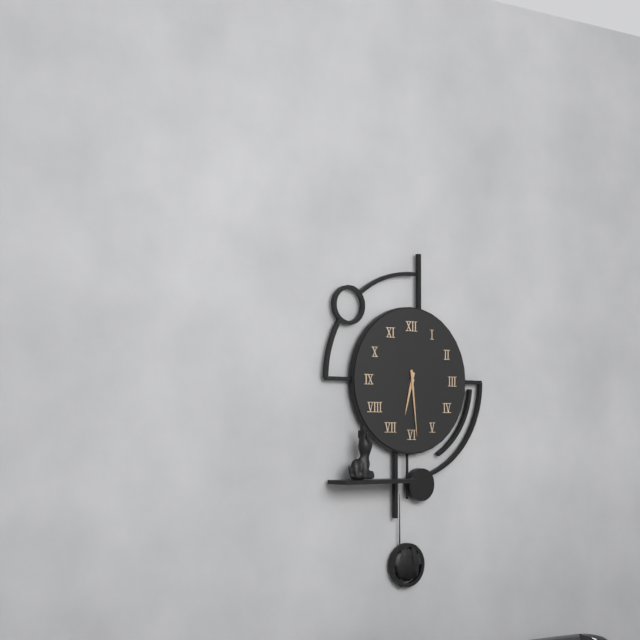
6:29
